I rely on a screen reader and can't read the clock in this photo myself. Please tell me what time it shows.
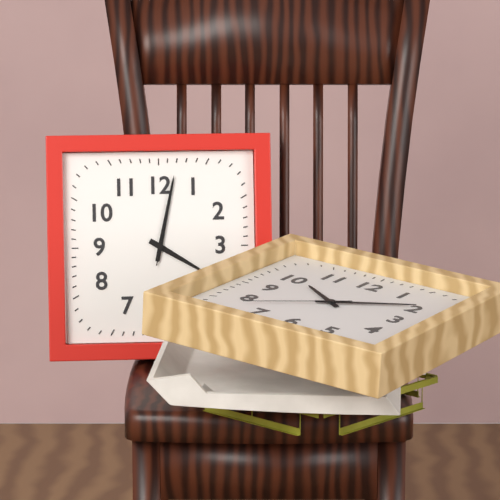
4:02:02
